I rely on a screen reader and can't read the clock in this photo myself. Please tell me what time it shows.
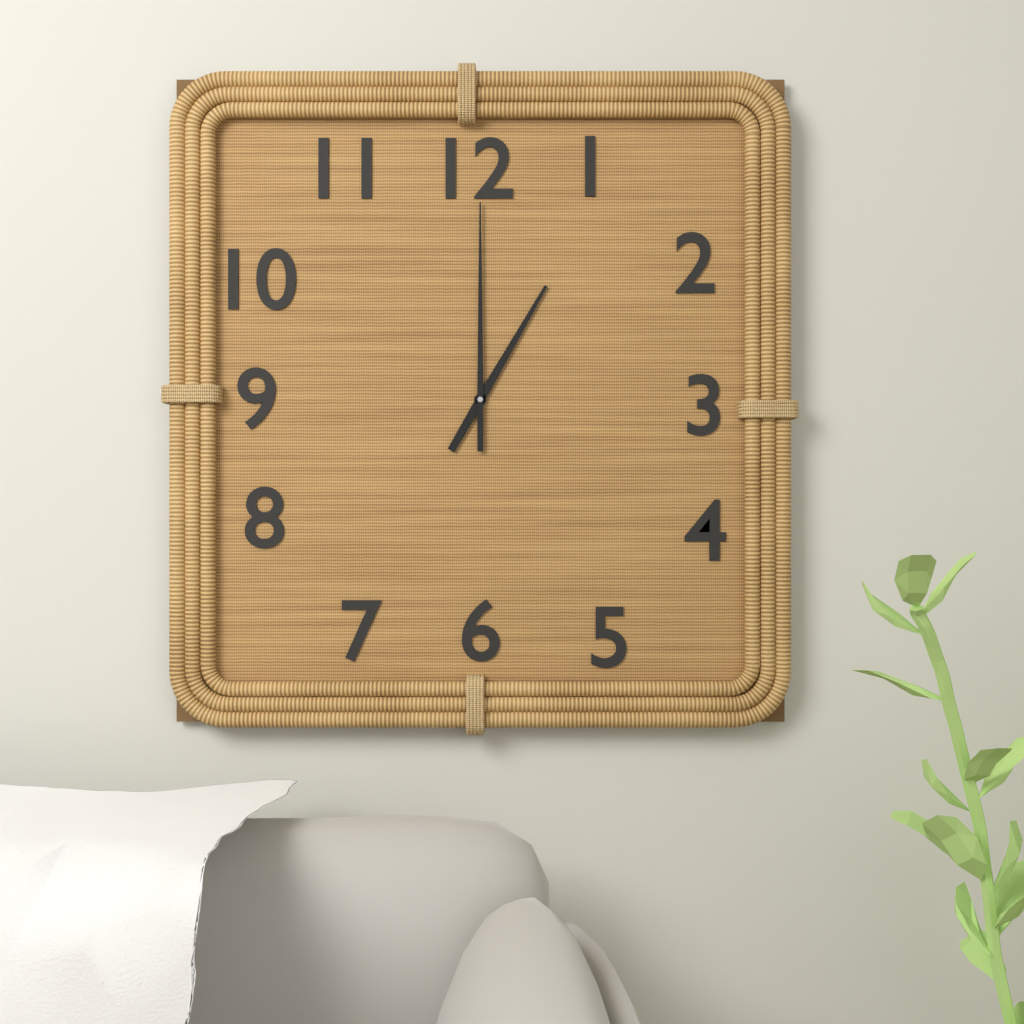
1:00
